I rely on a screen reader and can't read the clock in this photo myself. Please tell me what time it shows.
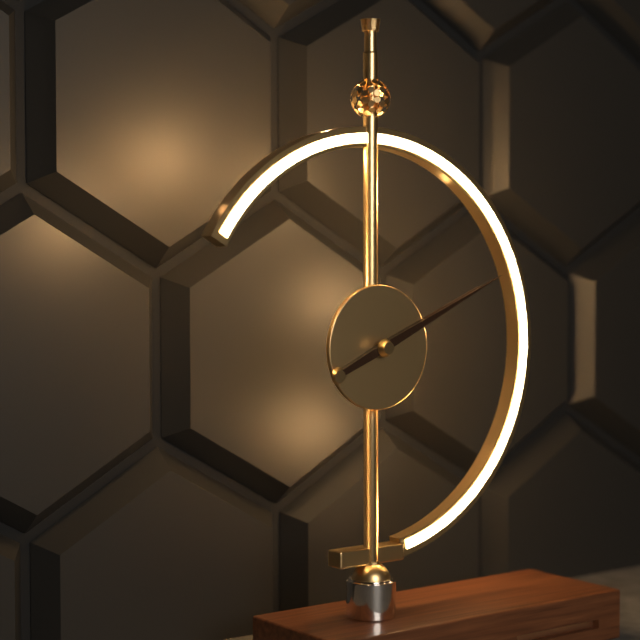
2:11
